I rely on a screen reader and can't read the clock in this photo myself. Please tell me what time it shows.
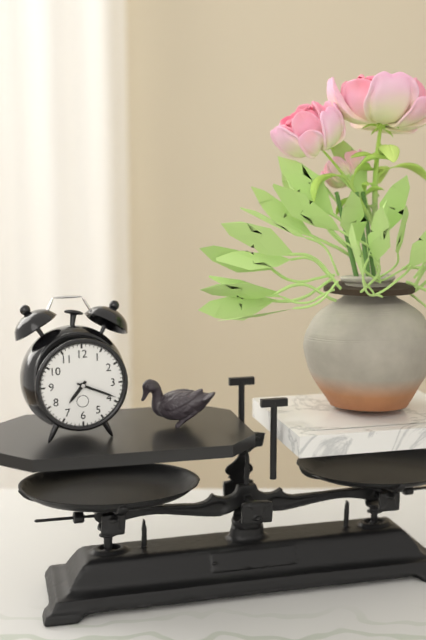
7:19
